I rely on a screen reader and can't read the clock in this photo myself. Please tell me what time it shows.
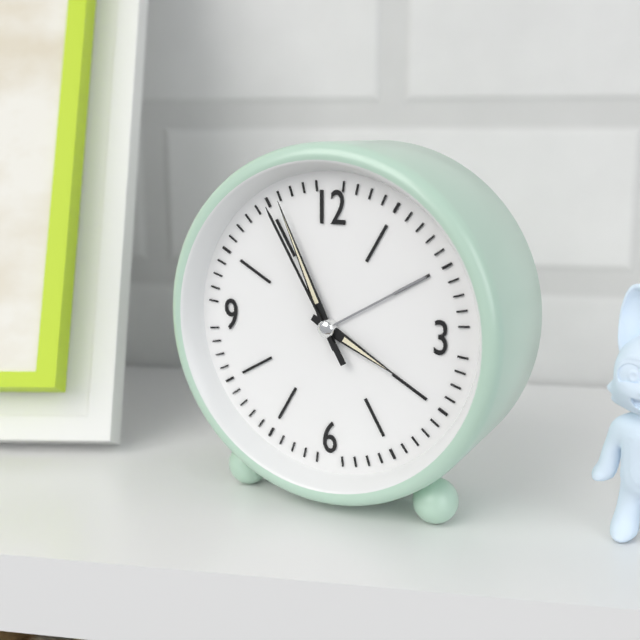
3:56:55
